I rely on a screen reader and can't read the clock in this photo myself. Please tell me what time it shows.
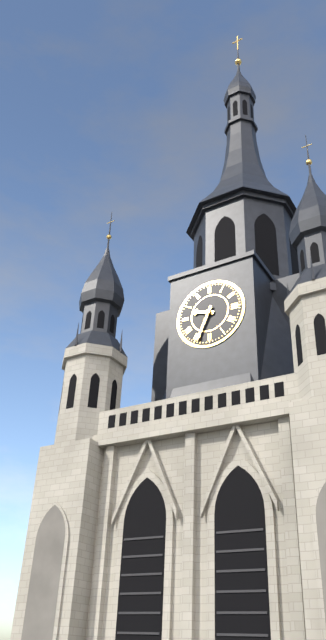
9:34
